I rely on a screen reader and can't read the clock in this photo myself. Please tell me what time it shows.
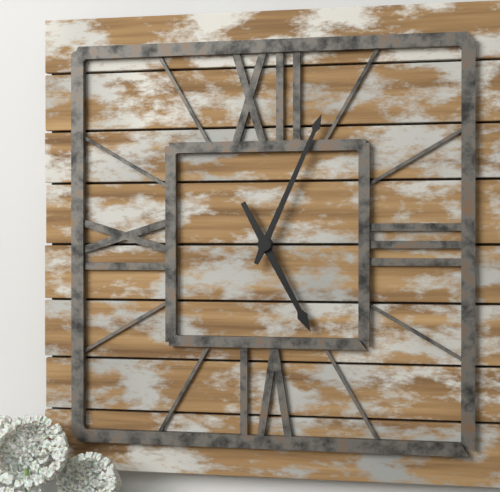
5:04
